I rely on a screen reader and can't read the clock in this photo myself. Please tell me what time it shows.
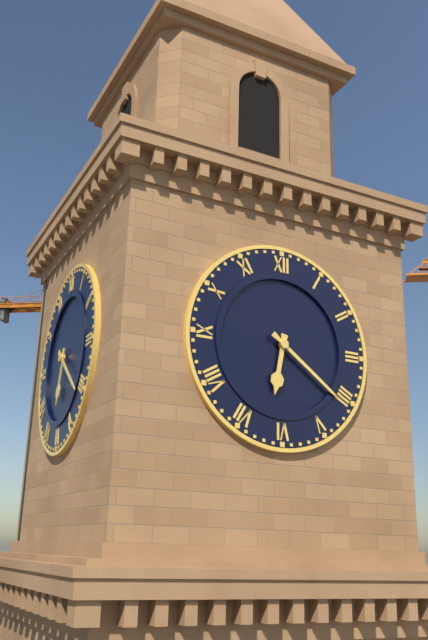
6:21
